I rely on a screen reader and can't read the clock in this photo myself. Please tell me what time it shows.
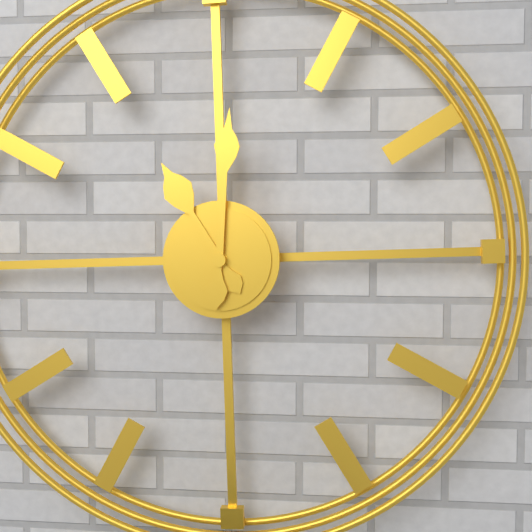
11:01
